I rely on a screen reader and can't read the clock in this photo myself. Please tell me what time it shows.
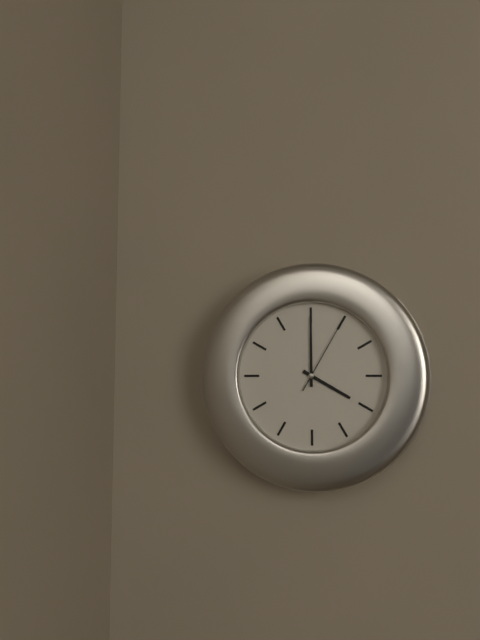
4:00:05
